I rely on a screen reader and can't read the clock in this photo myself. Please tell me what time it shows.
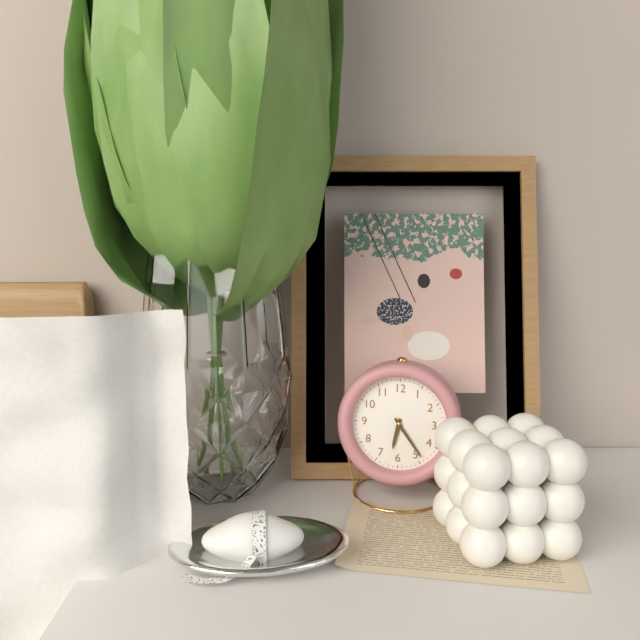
6:24
